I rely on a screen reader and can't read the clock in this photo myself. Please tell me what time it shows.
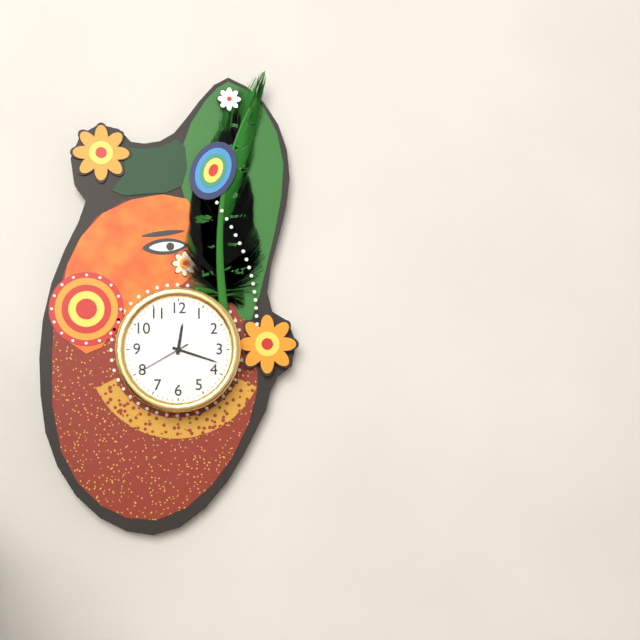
12:18:40
